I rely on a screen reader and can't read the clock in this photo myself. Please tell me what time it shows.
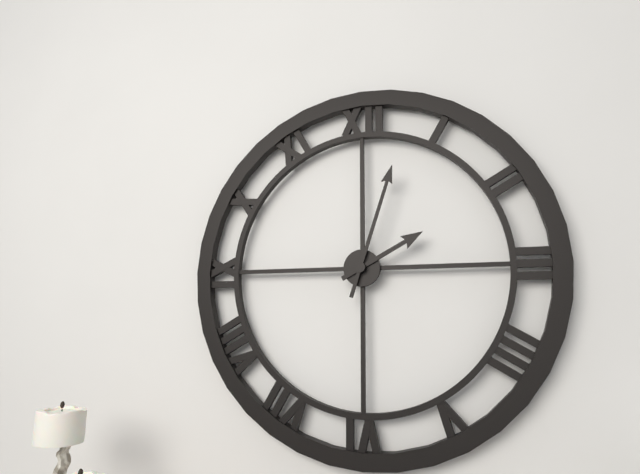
2:03
